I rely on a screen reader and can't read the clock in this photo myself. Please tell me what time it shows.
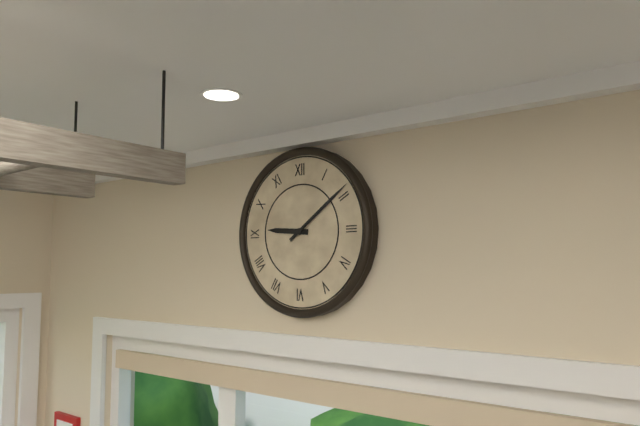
9:09
